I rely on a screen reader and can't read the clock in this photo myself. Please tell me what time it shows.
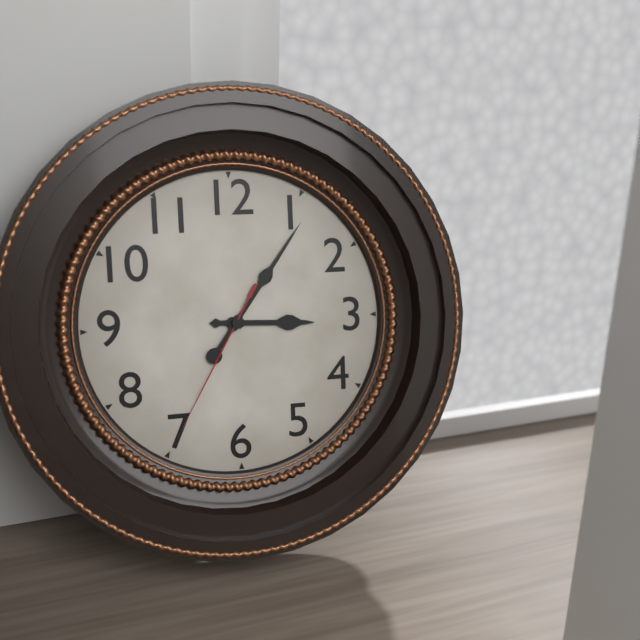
3:06:35
